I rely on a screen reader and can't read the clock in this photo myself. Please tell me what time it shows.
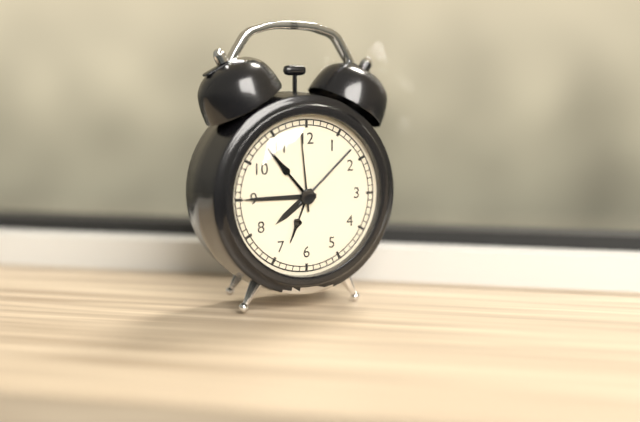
7:45:59
